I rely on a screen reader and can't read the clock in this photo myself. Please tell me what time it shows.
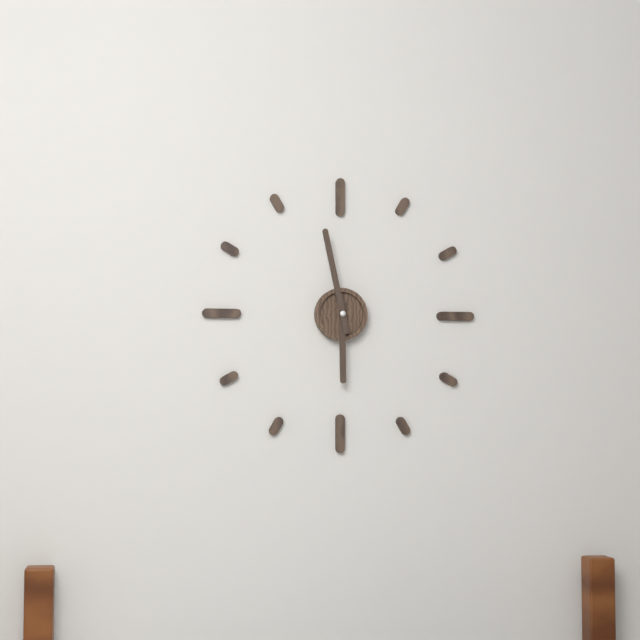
5:58
